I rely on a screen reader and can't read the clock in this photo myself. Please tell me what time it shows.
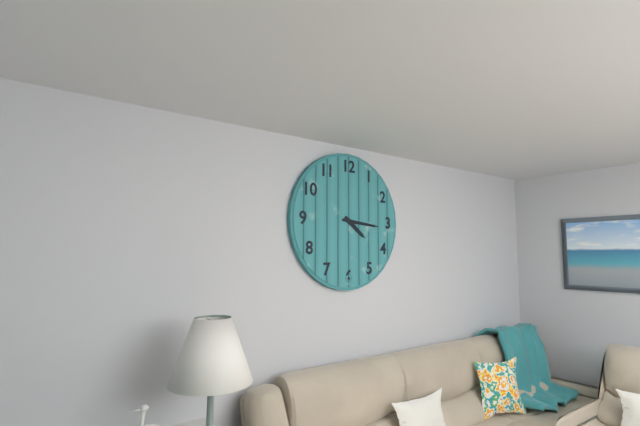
4:16
